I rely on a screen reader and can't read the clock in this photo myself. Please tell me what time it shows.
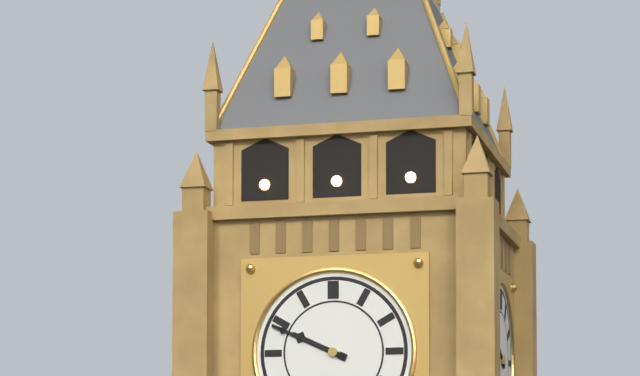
9:49
